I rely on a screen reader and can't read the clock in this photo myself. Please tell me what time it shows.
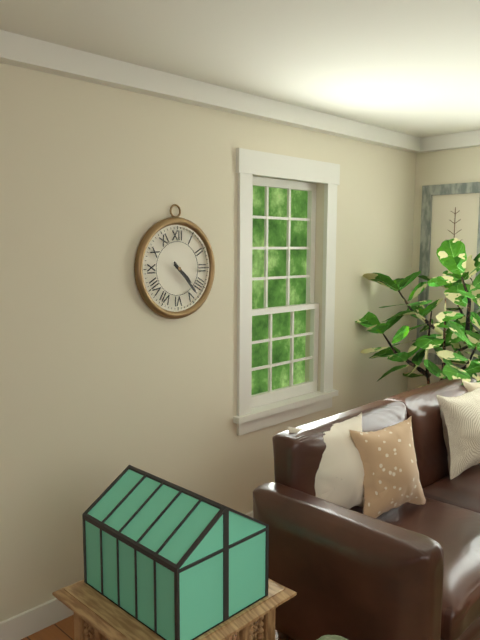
4:23
